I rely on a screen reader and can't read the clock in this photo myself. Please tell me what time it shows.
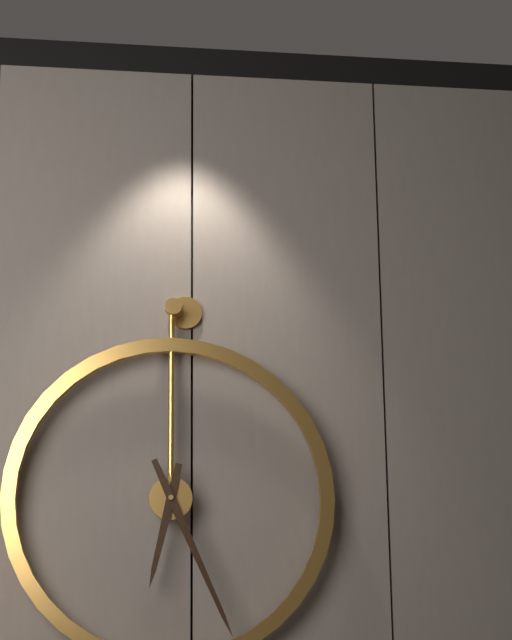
6:26
